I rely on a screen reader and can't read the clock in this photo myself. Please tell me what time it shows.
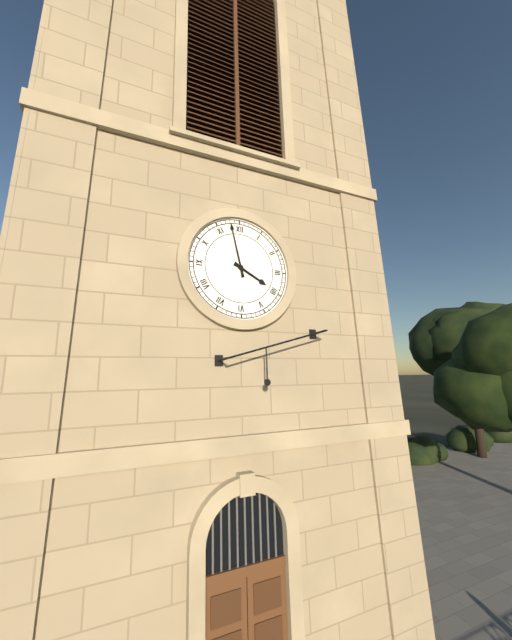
3:58
